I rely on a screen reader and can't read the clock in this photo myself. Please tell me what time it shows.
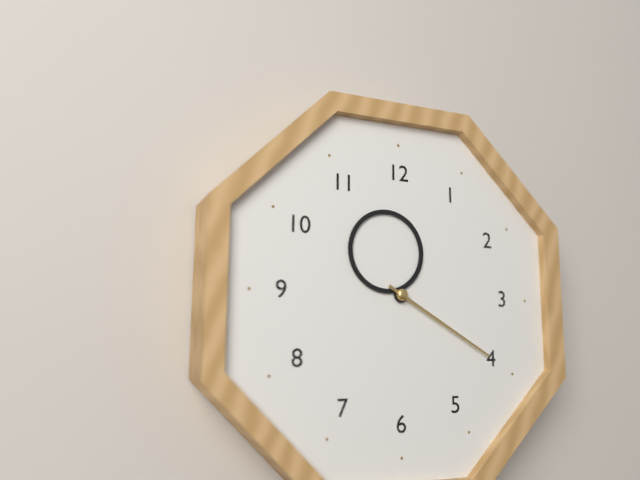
11:20
